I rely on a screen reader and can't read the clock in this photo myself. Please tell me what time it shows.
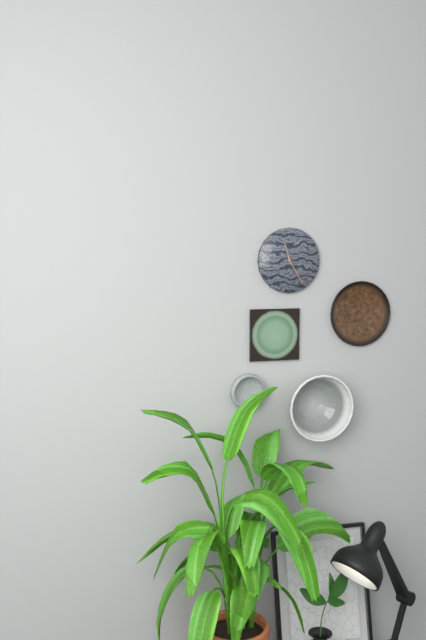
11:25
